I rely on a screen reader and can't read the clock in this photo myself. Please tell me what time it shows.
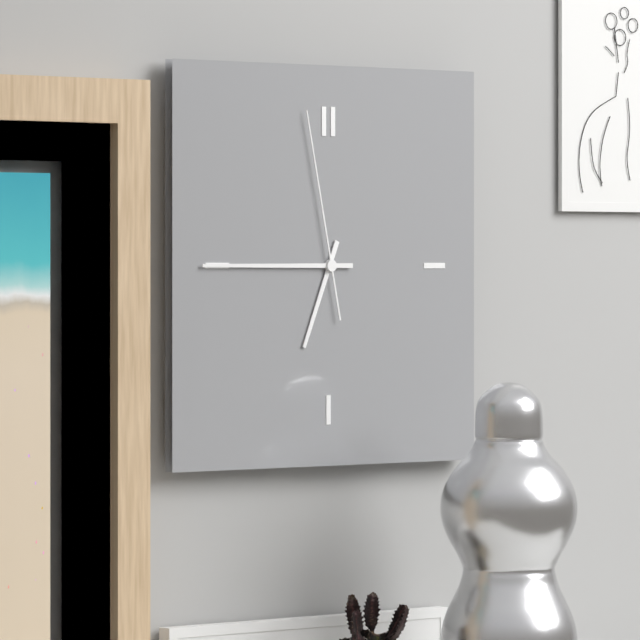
6:45:58
